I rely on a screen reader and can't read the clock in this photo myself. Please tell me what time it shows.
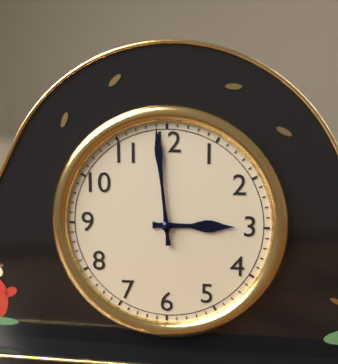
2:59
